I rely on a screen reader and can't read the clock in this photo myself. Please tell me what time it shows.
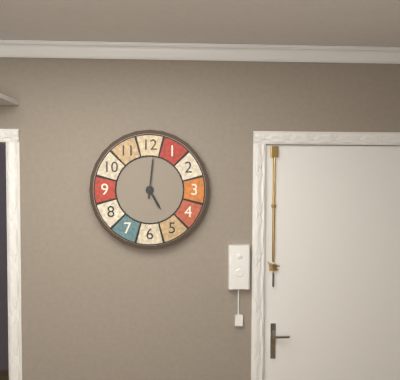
5:01
